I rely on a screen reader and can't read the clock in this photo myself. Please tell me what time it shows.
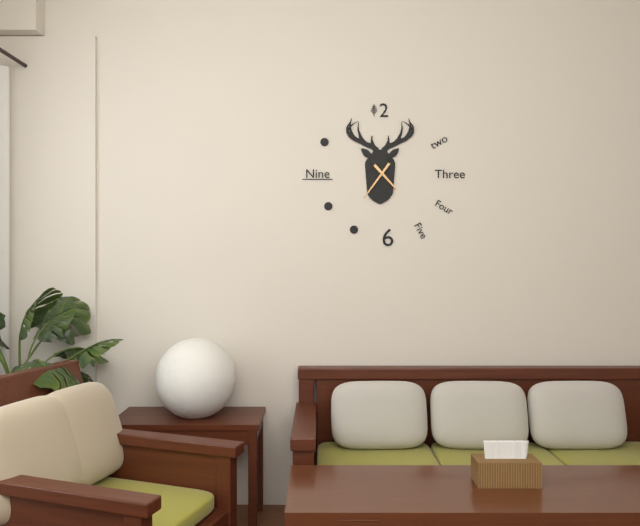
4:36
